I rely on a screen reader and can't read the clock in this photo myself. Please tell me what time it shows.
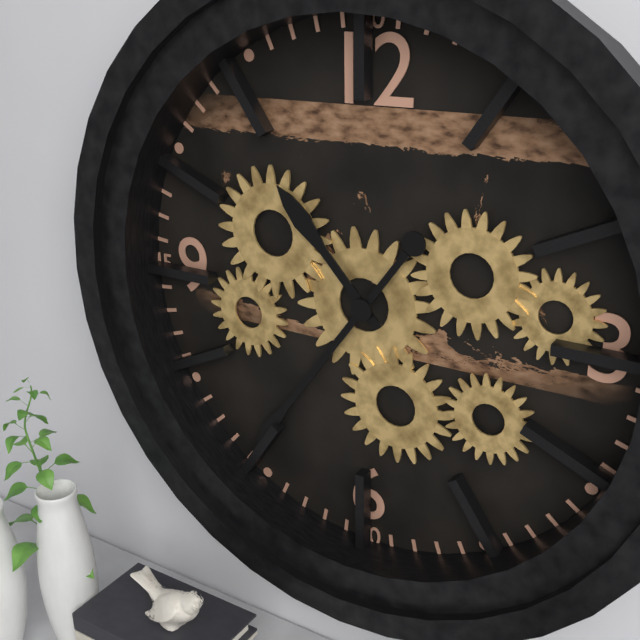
10:36
